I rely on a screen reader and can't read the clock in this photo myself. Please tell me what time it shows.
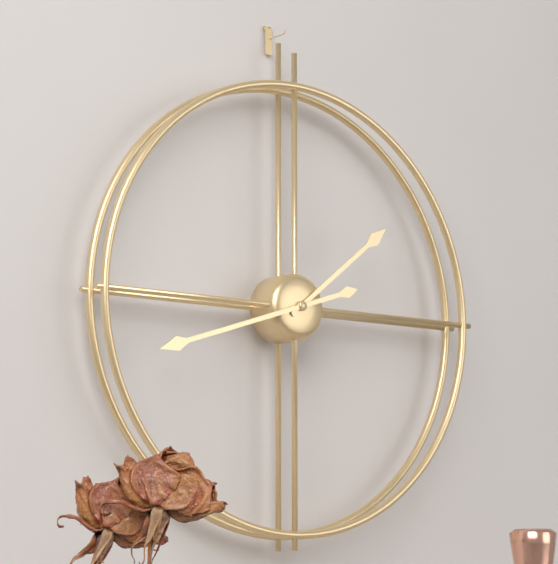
1:42
